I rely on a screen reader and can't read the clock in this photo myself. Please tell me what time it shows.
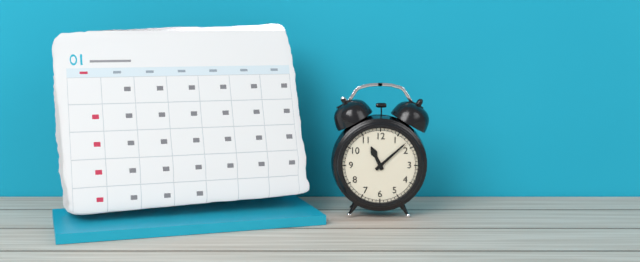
11:08
